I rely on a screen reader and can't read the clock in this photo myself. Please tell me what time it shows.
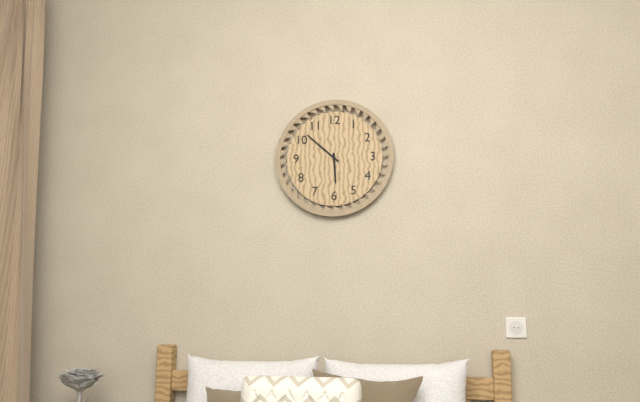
5:52
